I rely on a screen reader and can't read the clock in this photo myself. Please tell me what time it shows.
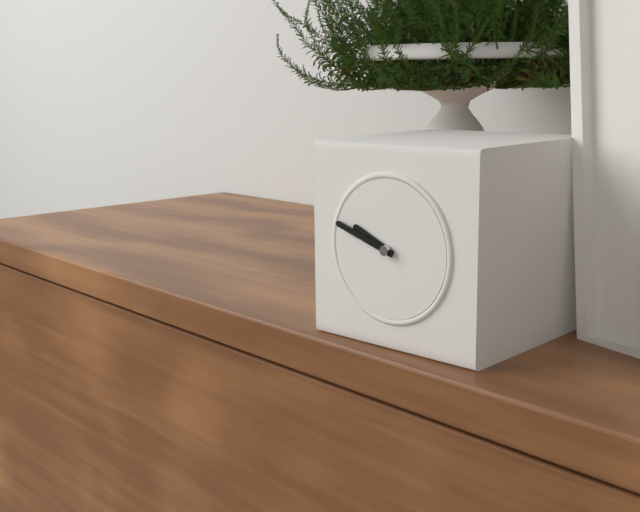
9:48
